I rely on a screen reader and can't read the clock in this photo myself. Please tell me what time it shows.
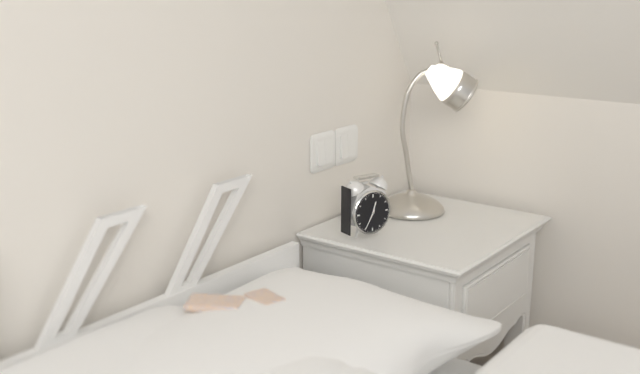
12:35
